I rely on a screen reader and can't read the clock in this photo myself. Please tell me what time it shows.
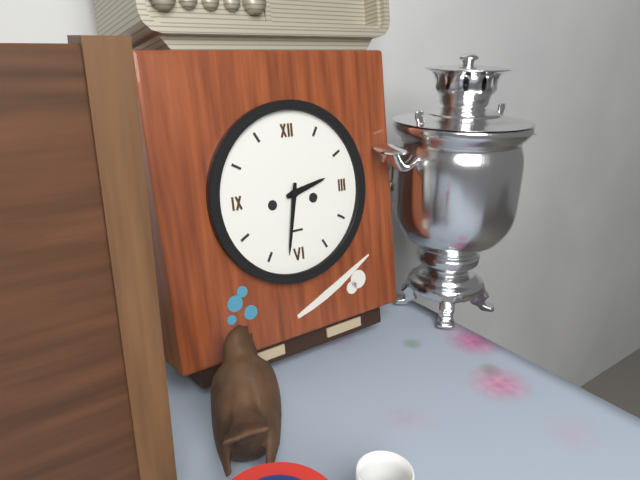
2:32
